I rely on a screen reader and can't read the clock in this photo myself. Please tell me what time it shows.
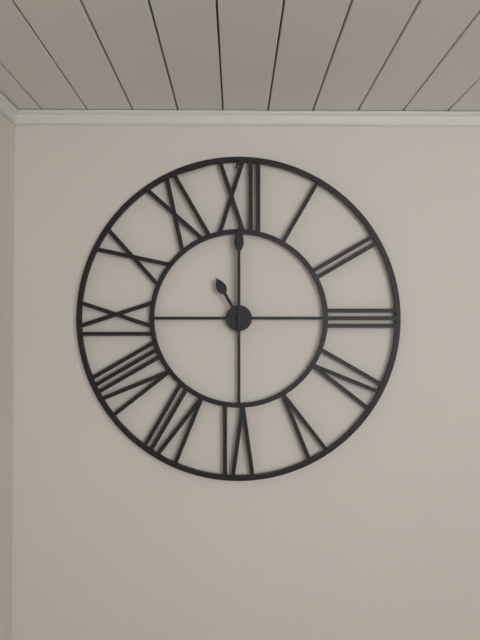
11:00
